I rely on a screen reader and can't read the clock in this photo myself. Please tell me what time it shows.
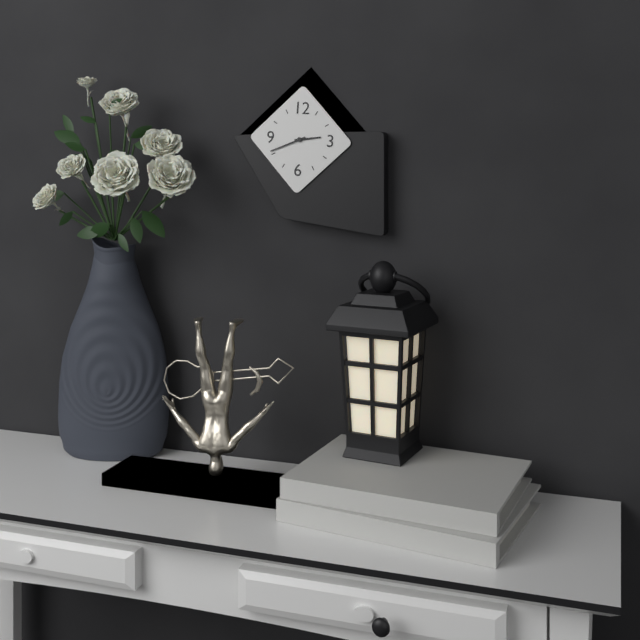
2:41
